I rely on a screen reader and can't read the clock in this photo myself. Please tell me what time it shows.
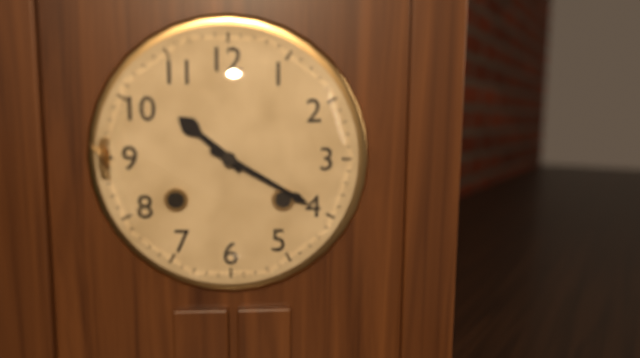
10:20
